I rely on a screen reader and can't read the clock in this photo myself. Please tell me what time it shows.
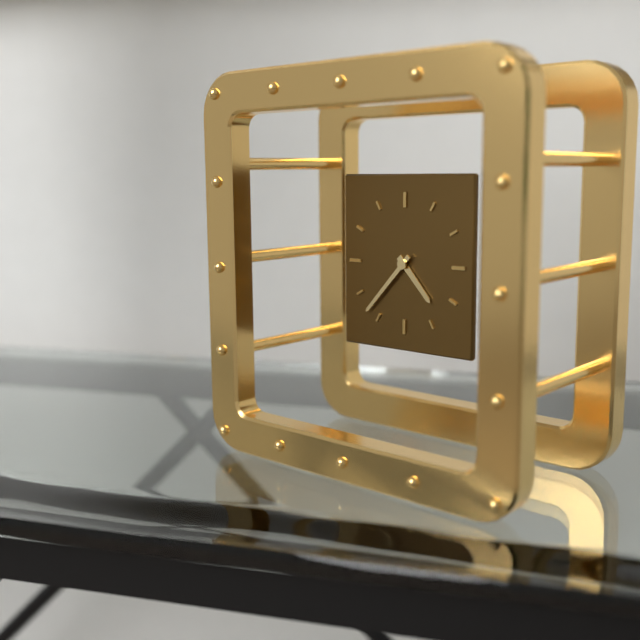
4:37
